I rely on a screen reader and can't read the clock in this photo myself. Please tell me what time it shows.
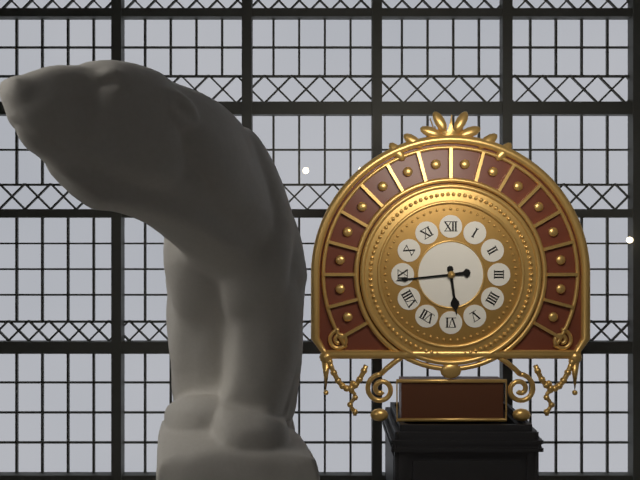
5:44
